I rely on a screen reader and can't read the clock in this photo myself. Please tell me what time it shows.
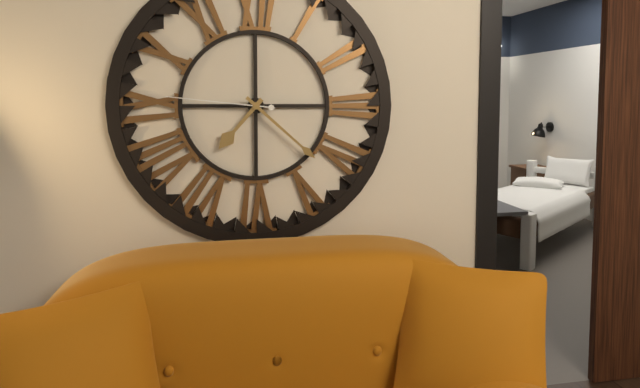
7:22:46
